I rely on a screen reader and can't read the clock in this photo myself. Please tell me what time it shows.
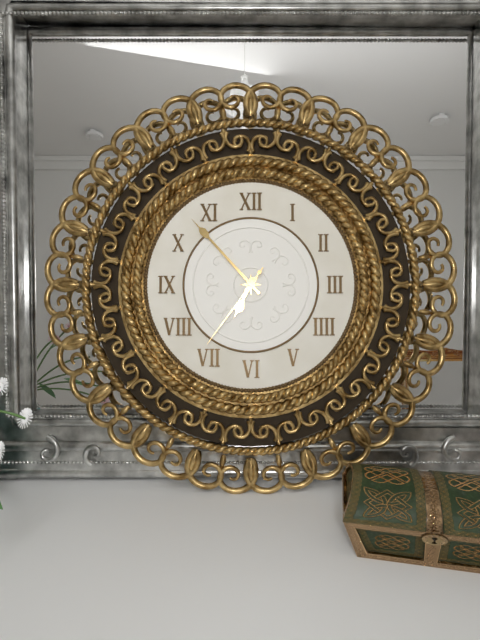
6:53:36
